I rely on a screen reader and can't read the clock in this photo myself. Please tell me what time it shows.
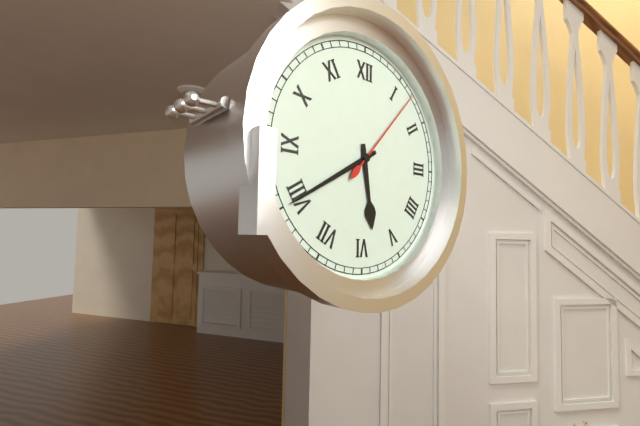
5:40:07
